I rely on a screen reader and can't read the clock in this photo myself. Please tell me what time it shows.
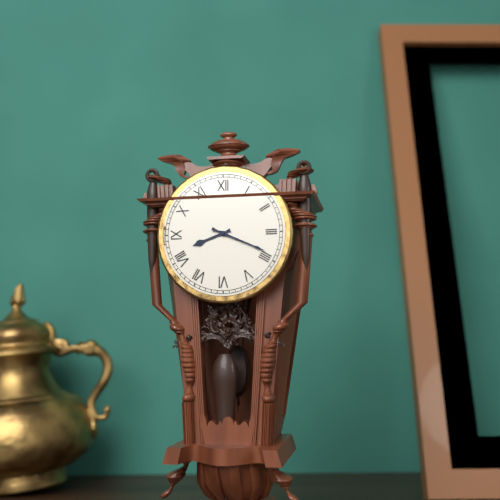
8:19
